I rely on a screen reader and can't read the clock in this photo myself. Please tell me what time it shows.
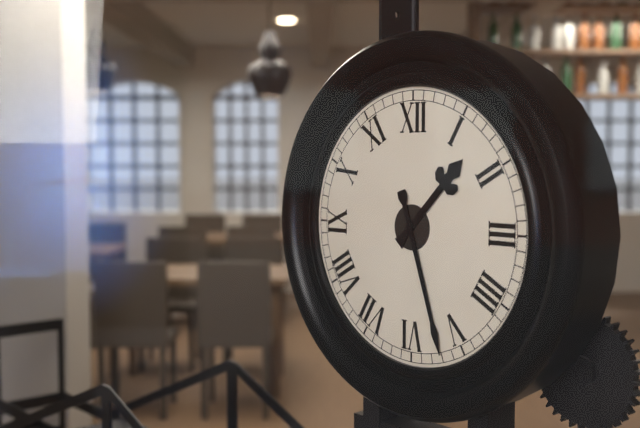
1:27
